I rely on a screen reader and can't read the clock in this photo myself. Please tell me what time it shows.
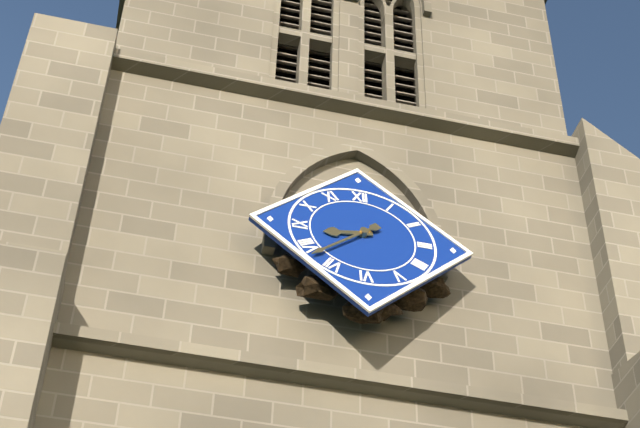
8:38
